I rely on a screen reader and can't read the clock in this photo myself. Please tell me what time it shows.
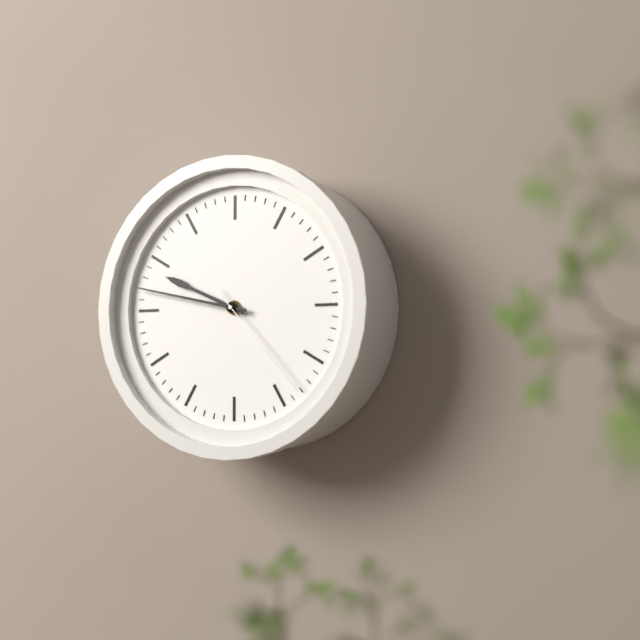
9:47:23
